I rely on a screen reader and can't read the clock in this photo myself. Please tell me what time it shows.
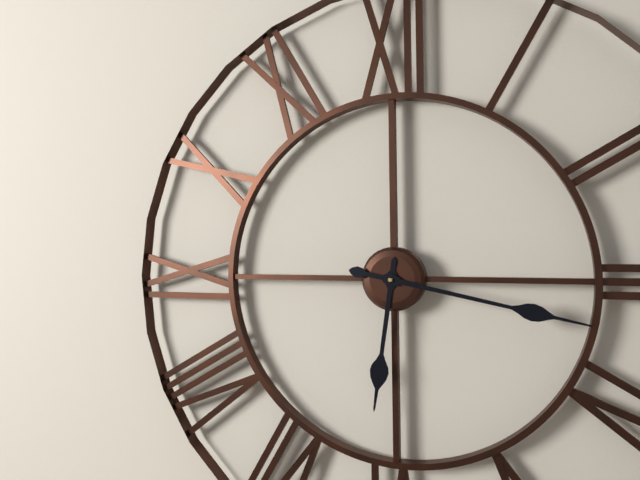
6:17
